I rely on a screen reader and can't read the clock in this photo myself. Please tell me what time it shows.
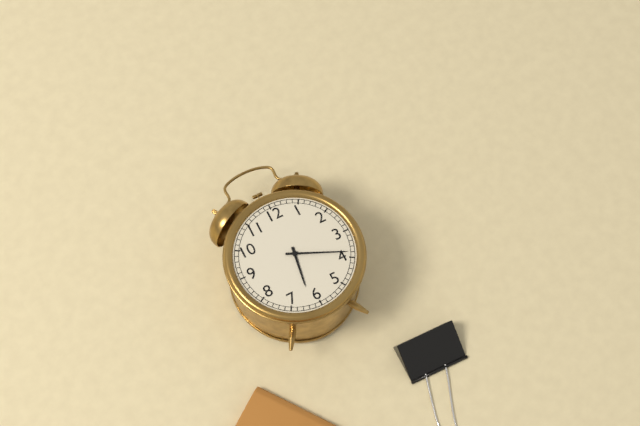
6:19
